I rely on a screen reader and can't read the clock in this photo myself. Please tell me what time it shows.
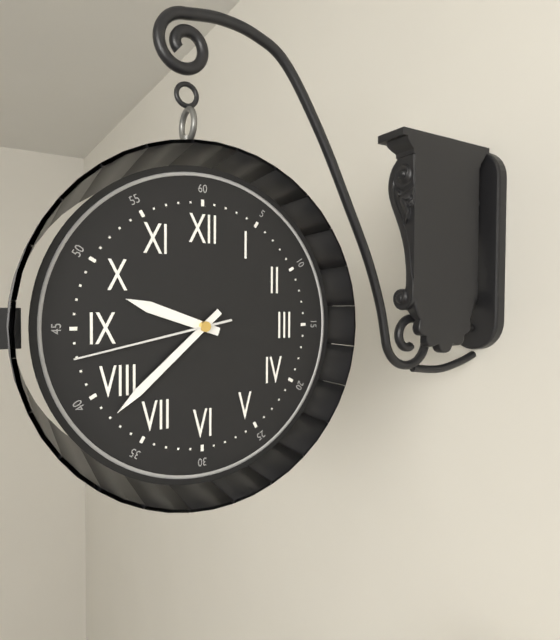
9:38:43
